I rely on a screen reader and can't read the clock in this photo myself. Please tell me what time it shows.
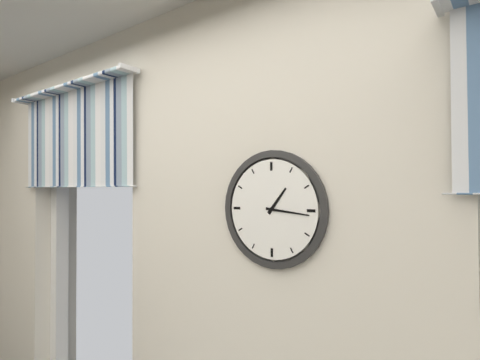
1:16
